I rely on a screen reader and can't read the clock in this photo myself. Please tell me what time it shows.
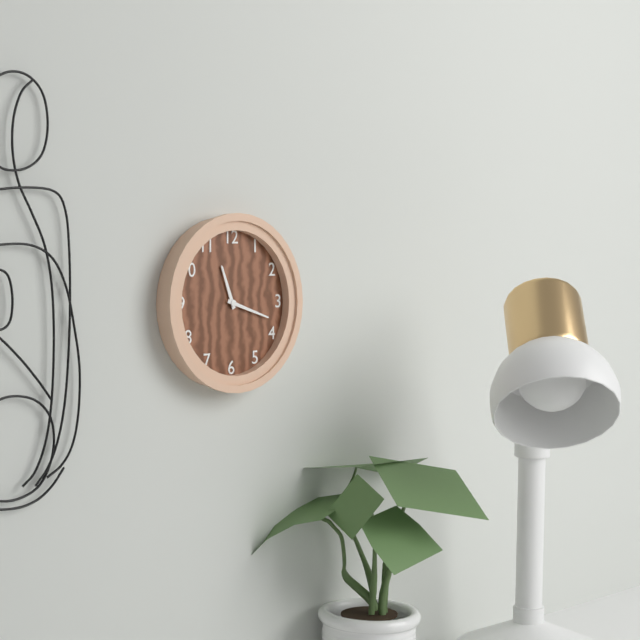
11:18
